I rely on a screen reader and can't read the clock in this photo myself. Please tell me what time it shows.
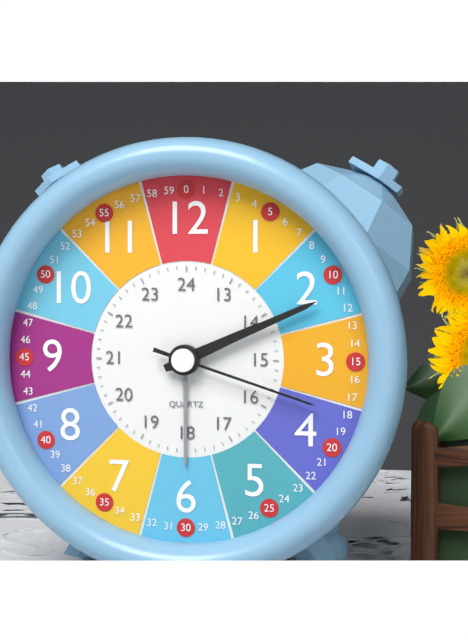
2:11:18
